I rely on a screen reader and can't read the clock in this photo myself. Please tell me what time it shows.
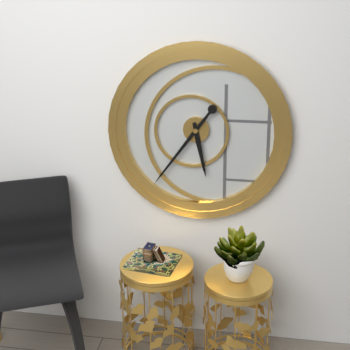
5:36
